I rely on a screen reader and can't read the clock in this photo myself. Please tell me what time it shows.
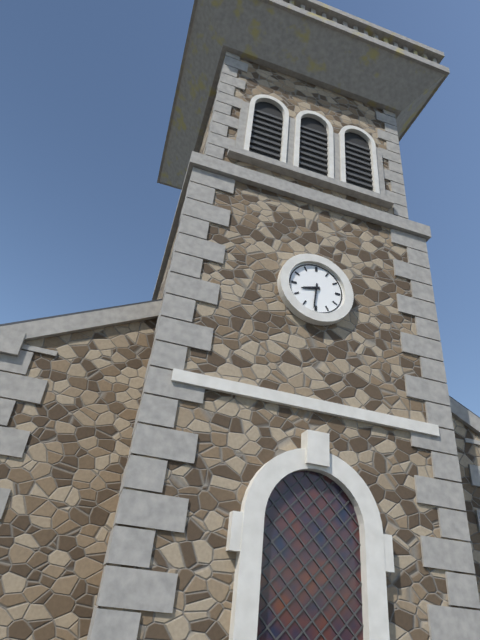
8:31
